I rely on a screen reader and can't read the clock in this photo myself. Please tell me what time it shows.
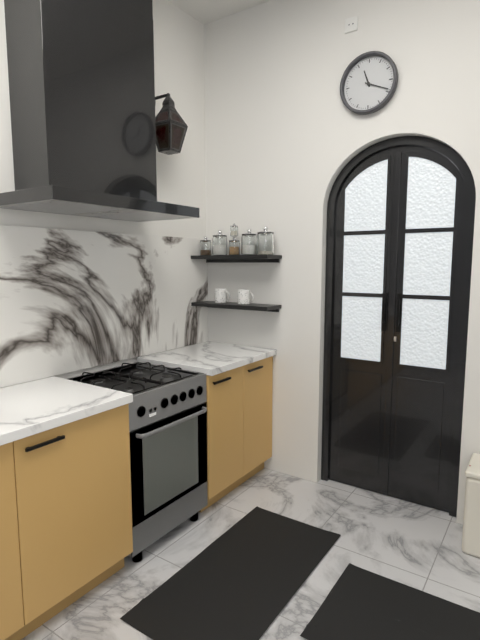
11:19
